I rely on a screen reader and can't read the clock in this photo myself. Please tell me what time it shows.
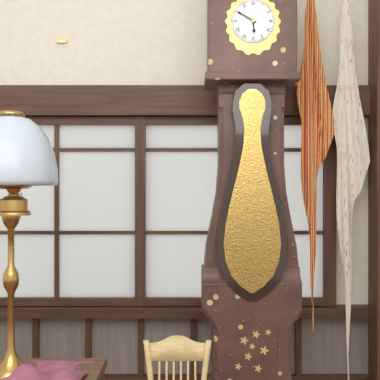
5:50
